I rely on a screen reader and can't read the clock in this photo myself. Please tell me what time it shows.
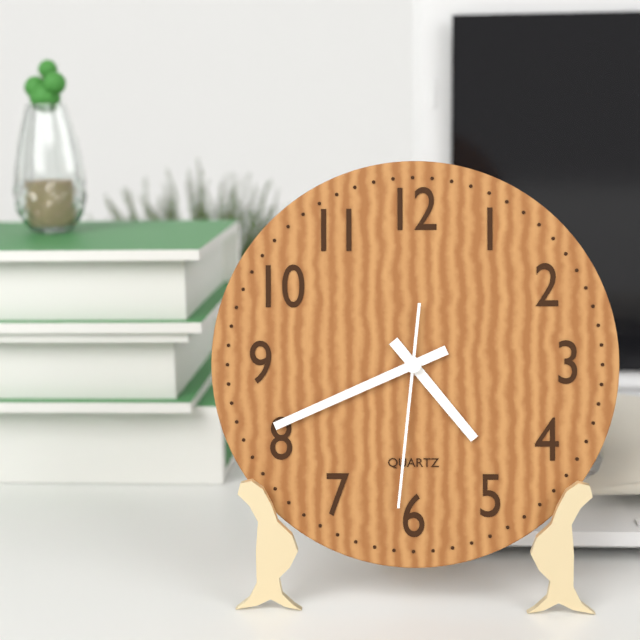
4:41:31
